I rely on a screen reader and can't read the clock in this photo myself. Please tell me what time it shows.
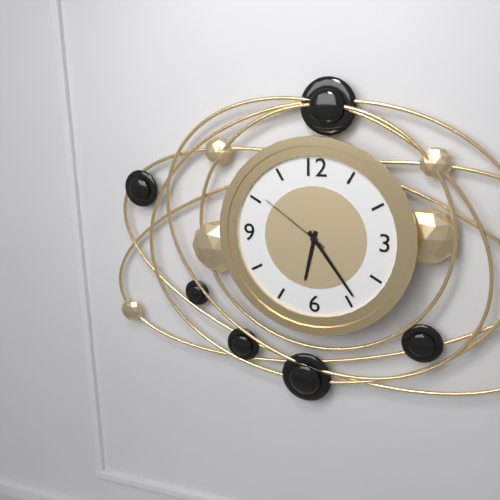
6:24:51
